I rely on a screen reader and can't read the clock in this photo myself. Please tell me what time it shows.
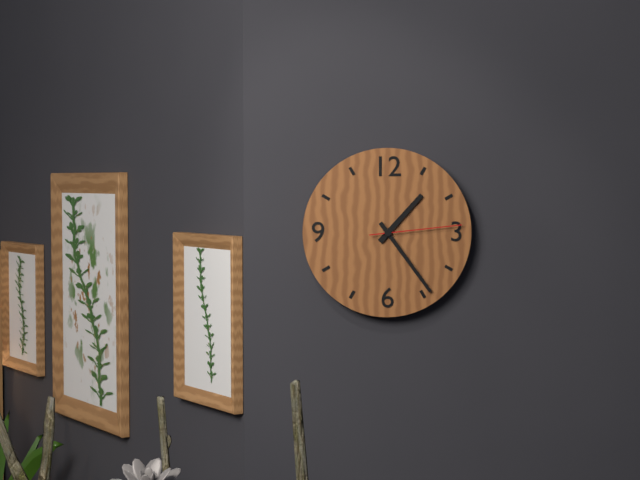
1:24:14
